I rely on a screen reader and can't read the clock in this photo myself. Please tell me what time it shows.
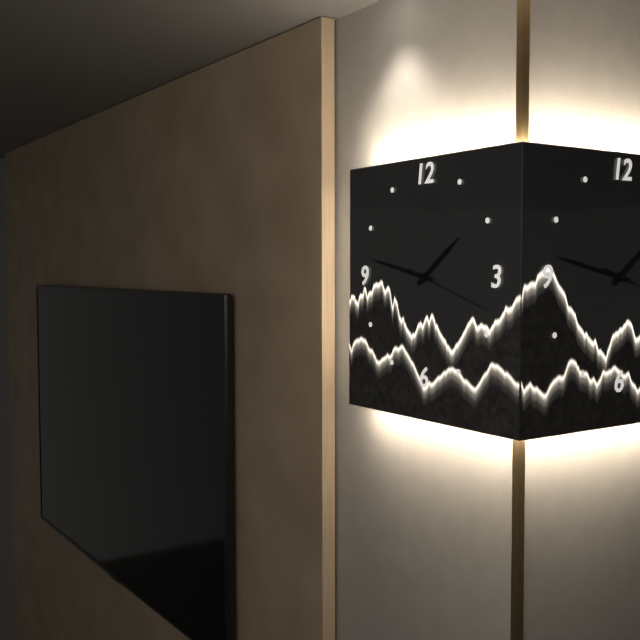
1:47:18
